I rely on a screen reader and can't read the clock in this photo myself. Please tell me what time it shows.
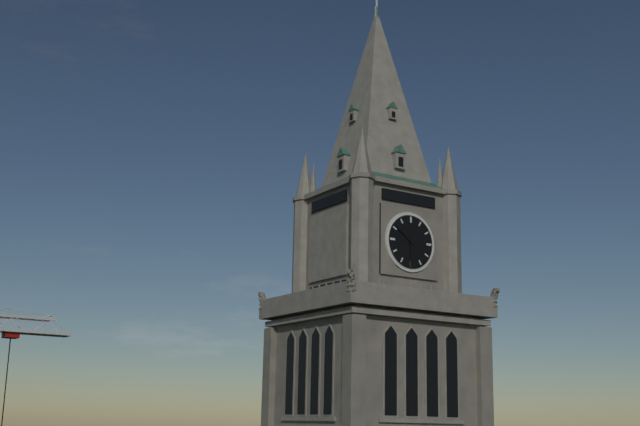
5:51
